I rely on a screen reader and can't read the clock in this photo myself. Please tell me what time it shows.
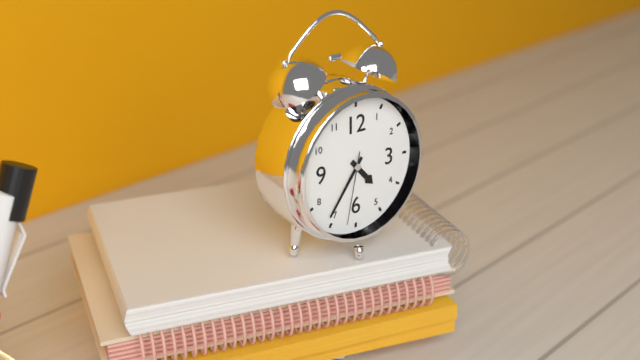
4:36:32
